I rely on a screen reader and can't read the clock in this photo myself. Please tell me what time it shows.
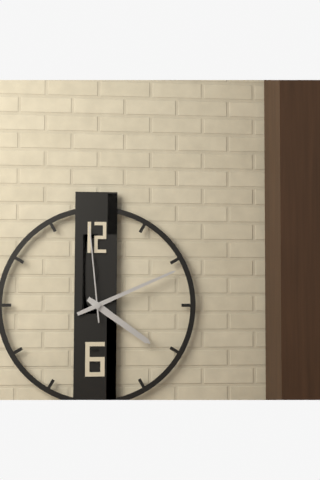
4:11:59
